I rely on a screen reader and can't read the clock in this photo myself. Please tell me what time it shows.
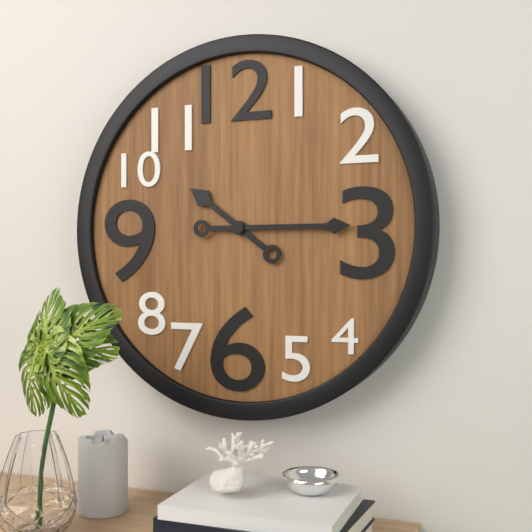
10:15
